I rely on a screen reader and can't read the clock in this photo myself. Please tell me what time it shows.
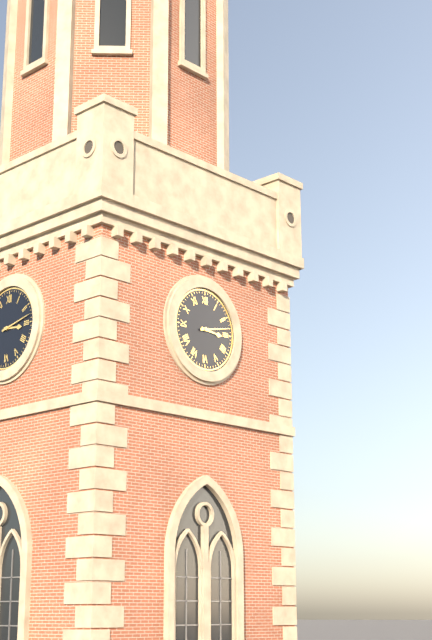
3:13
